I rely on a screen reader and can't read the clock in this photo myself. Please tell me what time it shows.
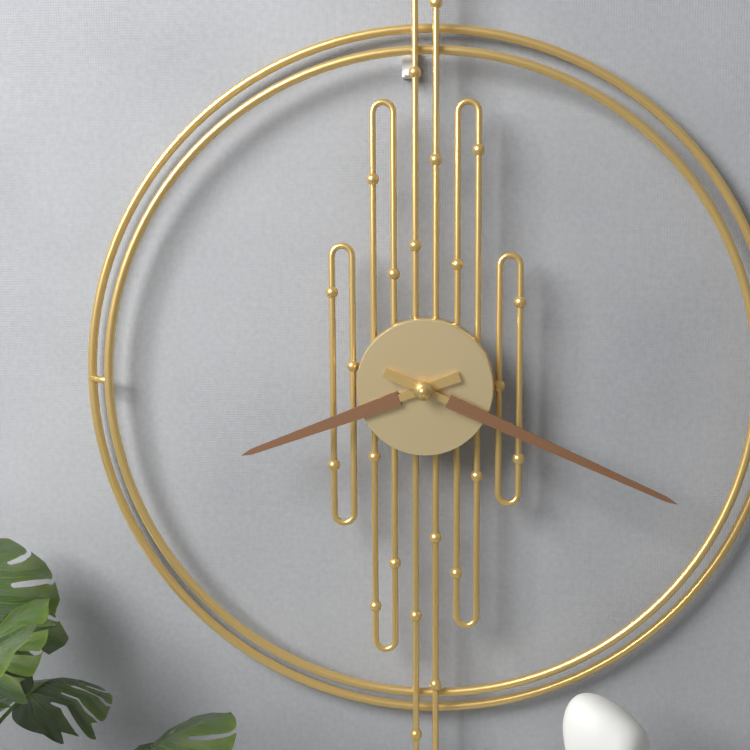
8:19
